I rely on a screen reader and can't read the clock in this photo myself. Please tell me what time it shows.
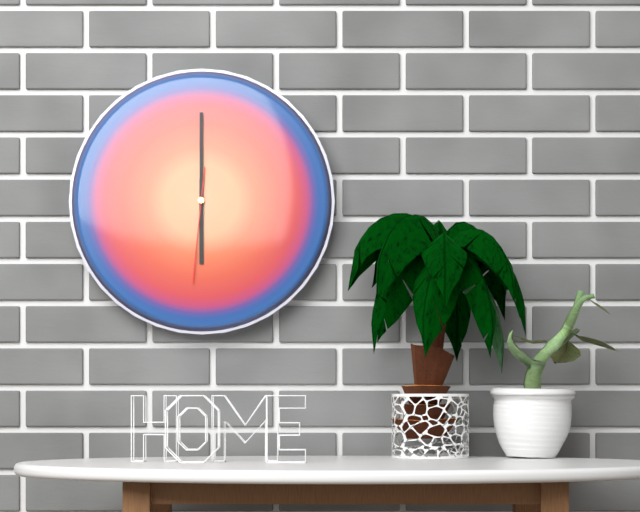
6:00:31
